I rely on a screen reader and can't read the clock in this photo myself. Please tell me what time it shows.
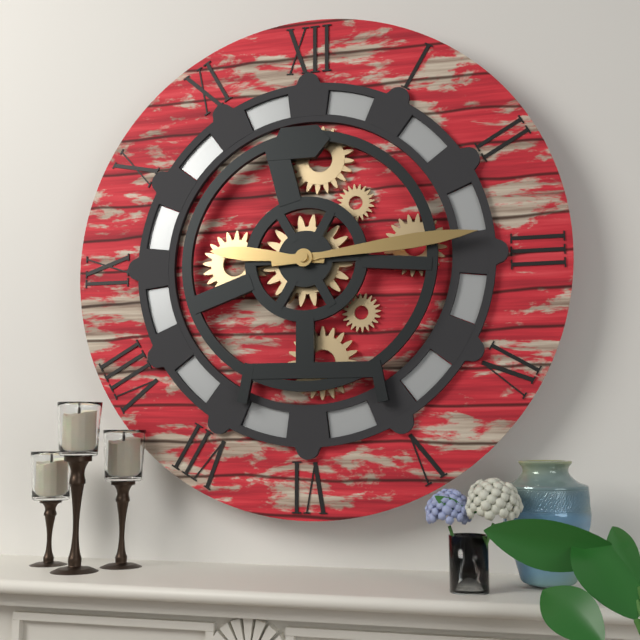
9:14
